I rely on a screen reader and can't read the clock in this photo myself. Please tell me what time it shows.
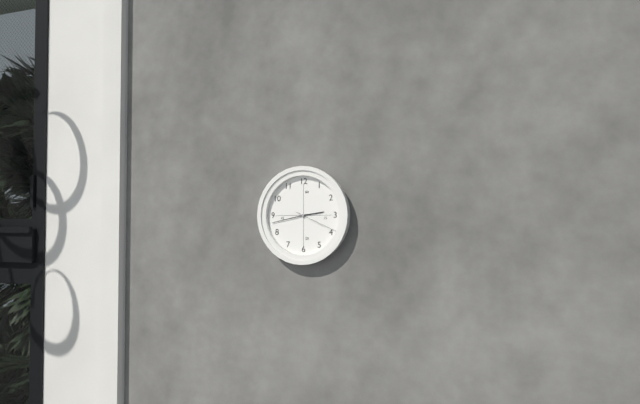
2:43
